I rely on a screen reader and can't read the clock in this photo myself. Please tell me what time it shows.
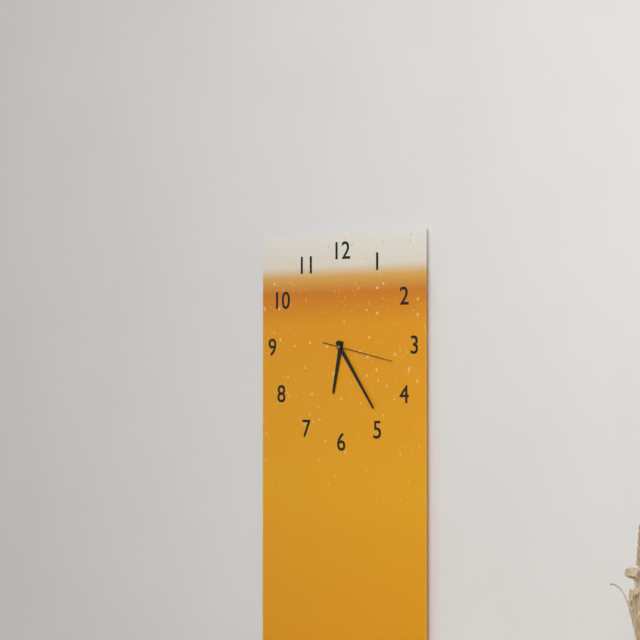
6:24:17
